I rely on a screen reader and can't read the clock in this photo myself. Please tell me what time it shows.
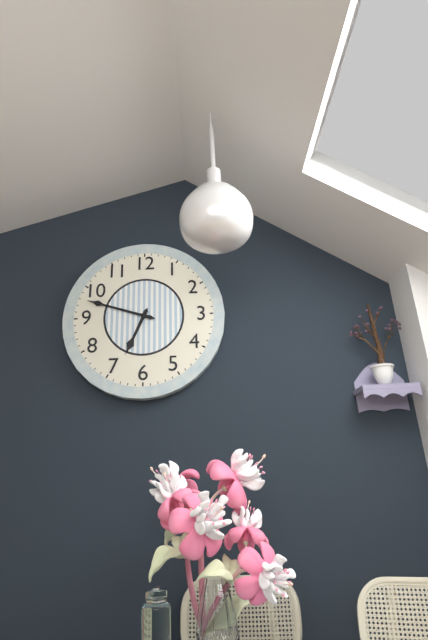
6:48
